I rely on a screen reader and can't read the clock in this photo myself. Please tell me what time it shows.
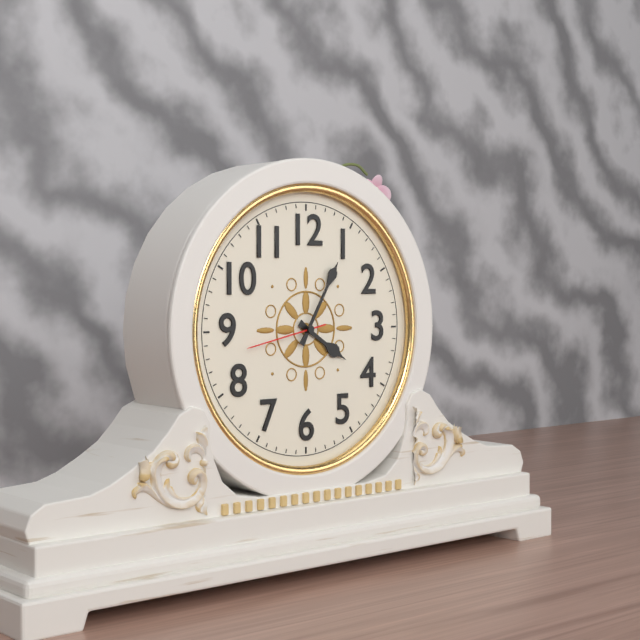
4:05:43
